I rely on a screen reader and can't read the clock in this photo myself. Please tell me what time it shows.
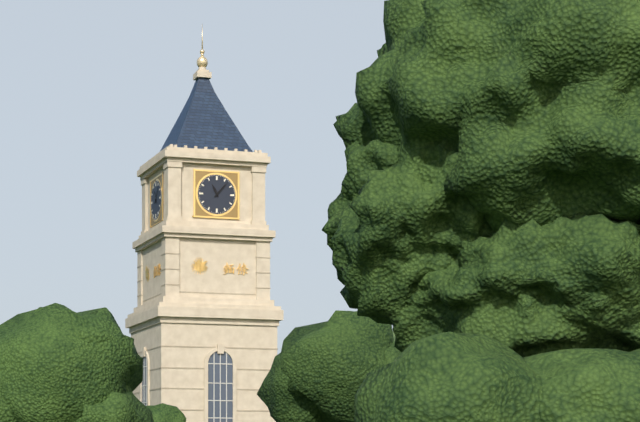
11:07
